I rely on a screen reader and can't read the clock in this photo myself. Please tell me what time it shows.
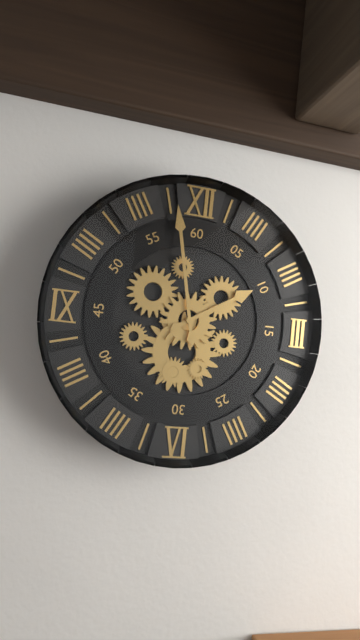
1:58
